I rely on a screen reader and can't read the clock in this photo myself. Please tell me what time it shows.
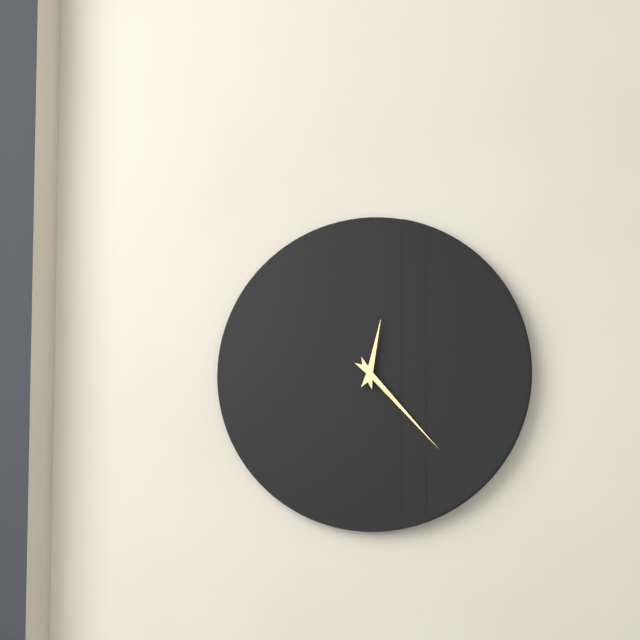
12:23
